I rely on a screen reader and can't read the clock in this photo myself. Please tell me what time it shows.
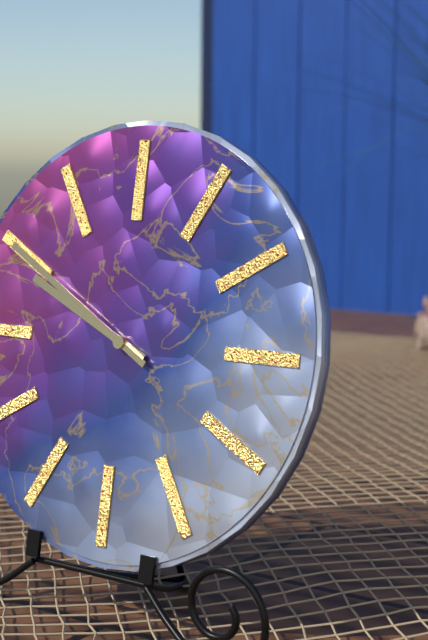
9:50
